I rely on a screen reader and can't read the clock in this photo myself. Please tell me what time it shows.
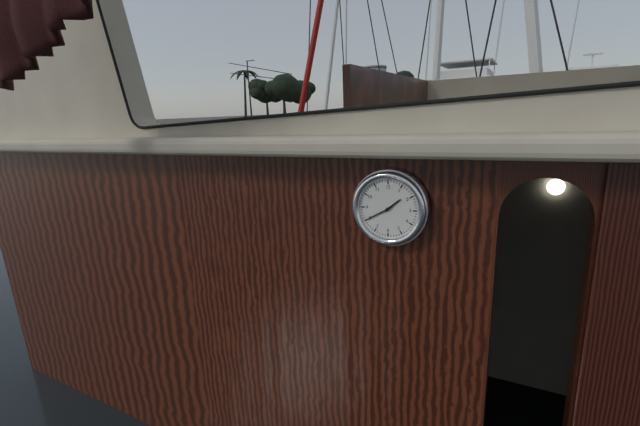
1:40
